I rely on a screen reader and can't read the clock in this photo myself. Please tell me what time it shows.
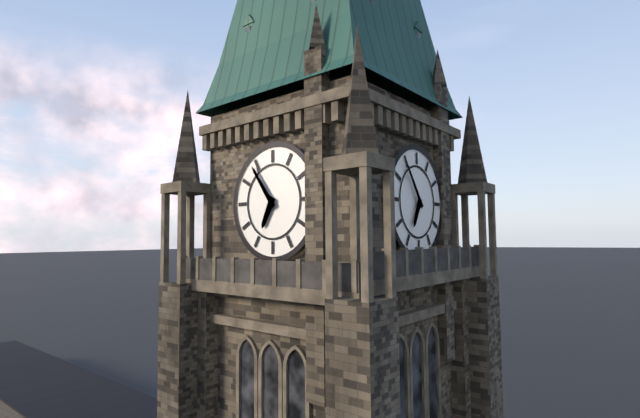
6:54
